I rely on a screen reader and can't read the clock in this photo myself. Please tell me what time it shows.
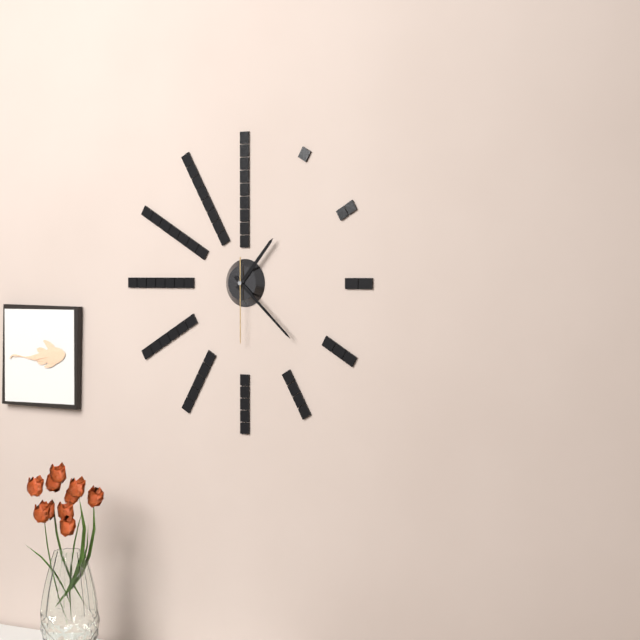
1:22:30
